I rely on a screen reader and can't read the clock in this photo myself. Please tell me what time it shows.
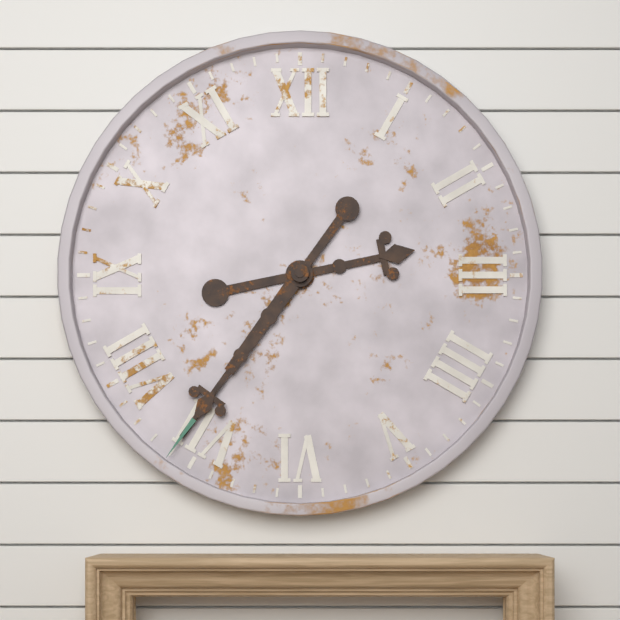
2:36
